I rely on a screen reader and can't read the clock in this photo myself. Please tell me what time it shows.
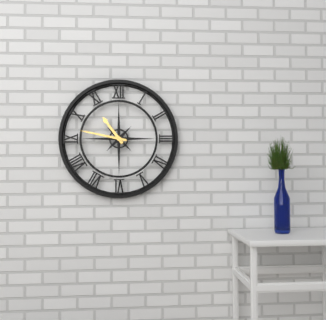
10:47
